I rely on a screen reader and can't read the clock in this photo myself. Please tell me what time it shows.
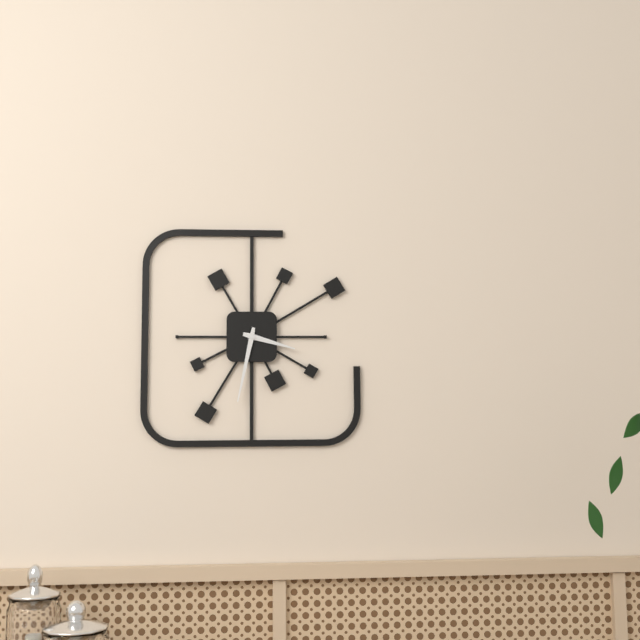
3:32
